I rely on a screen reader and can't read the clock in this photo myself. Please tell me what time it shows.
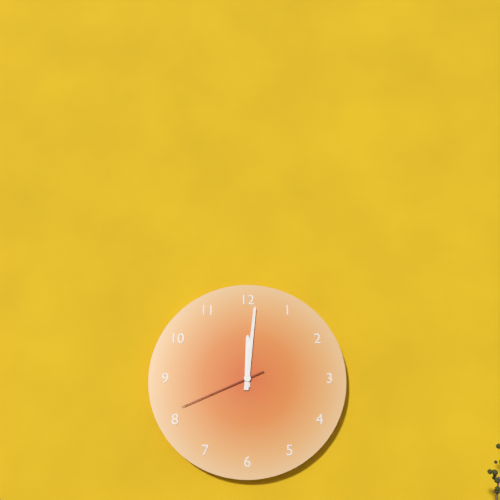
12:01:41
